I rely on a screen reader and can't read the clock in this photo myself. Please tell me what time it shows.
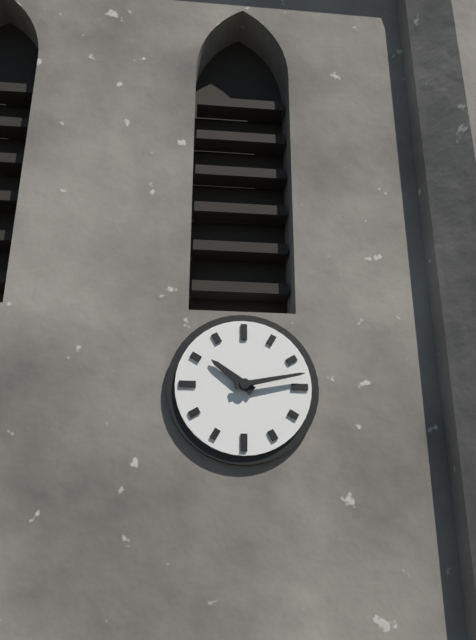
10:13
